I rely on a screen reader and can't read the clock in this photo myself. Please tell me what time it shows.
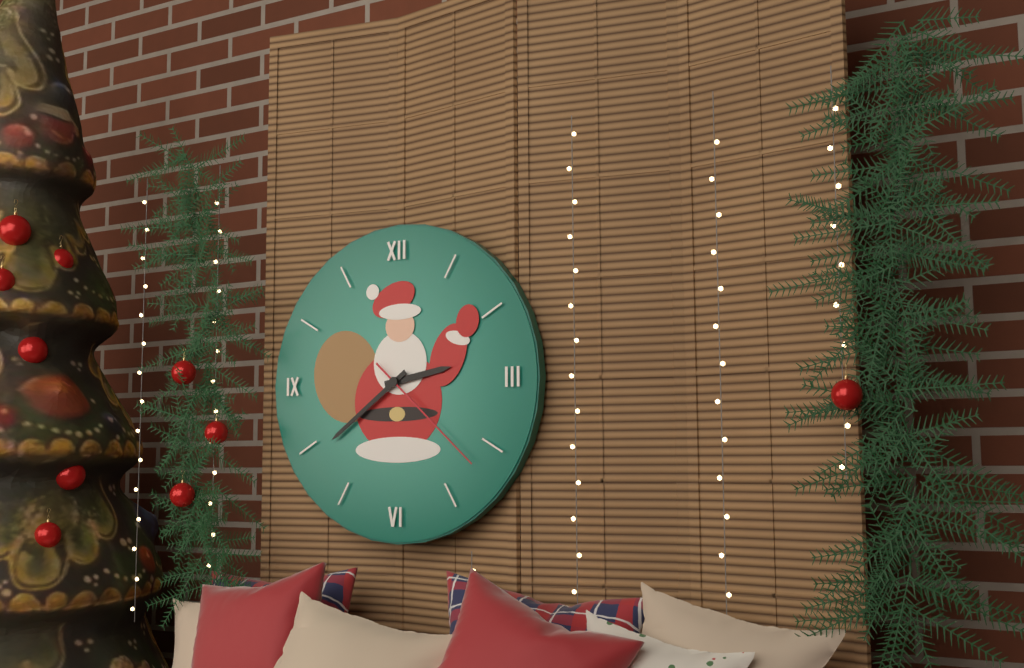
2:39:22
